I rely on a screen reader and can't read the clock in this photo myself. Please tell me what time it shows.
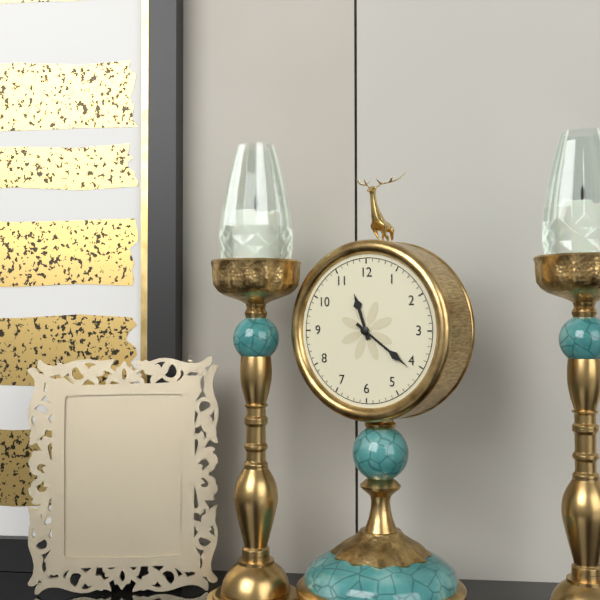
11:21
